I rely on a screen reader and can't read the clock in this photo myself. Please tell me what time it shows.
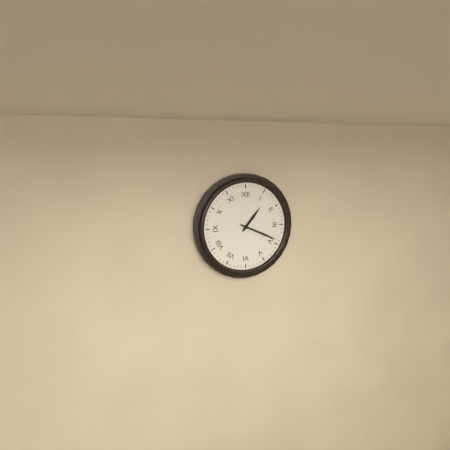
1:19
